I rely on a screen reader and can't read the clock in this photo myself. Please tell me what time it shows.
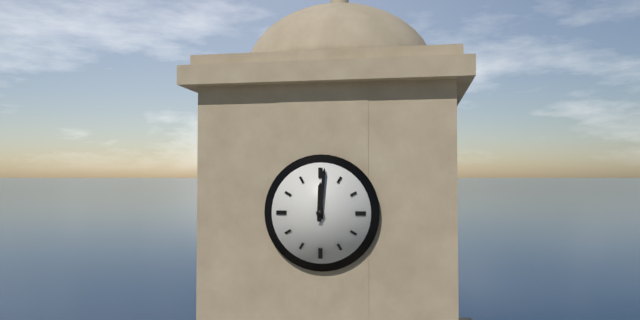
12:01
